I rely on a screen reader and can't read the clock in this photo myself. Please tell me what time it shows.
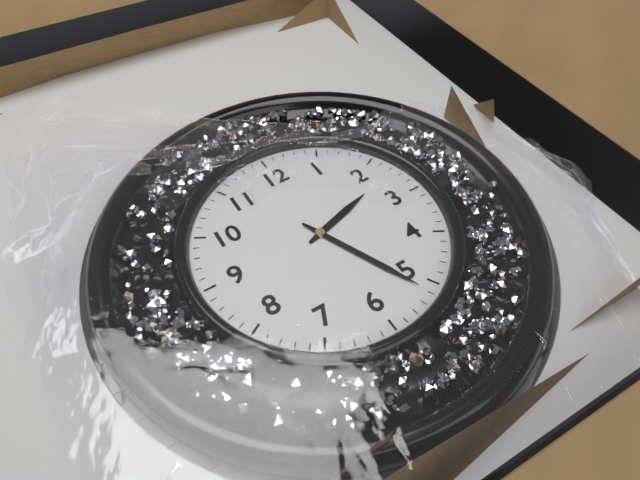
2:26
